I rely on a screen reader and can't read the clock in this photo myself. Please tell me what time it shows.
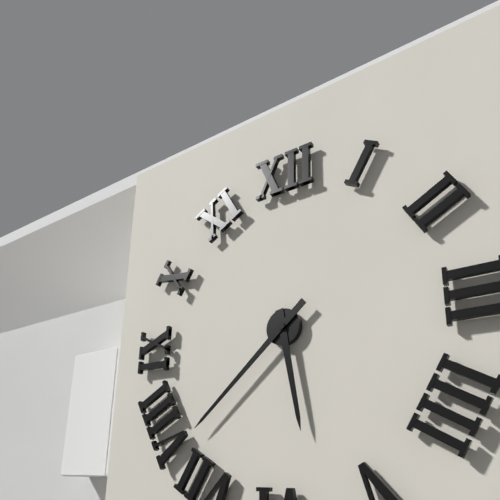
5:38
